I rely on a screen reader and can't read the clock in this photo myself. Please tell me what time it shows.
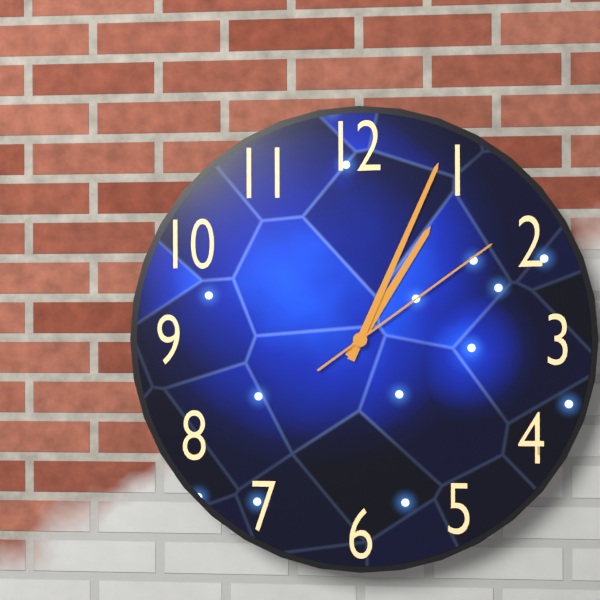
1:04:09
